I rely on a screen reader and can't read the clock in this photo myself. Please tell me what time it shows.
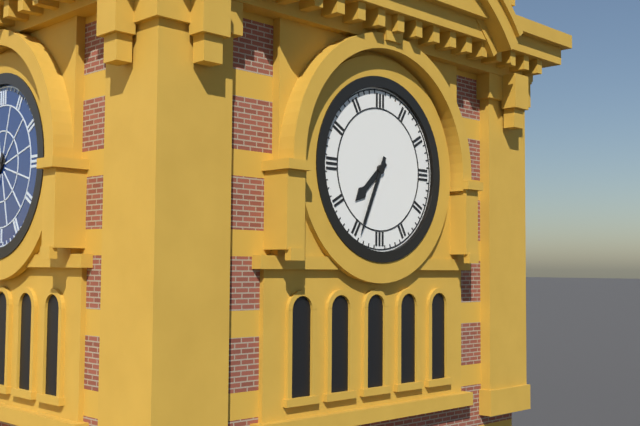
7:34
